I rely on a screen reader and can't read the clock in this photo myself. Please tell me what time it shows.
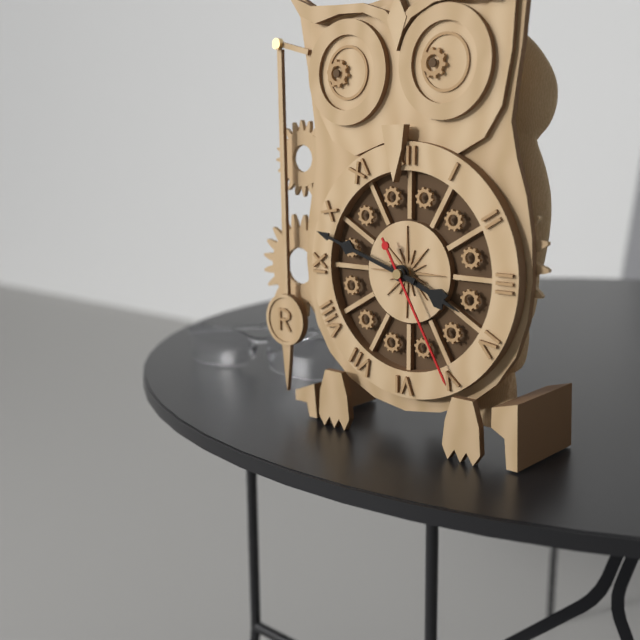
3:48:25
